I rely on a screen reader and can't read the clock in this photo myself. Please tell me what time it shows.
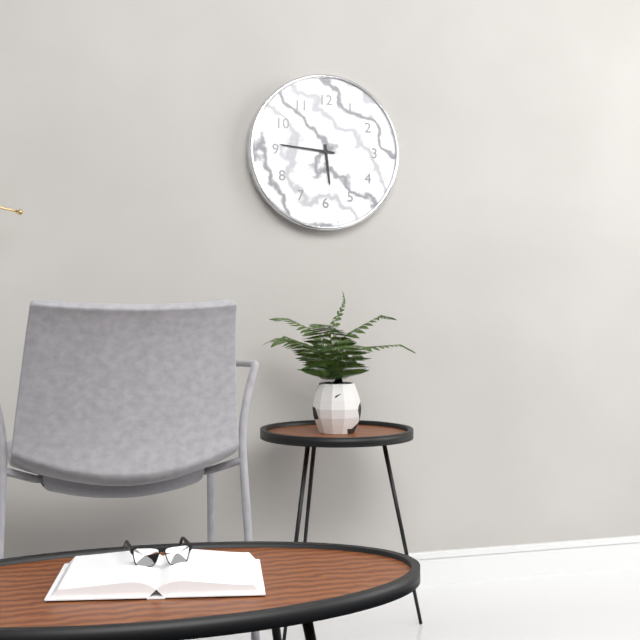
5:46
